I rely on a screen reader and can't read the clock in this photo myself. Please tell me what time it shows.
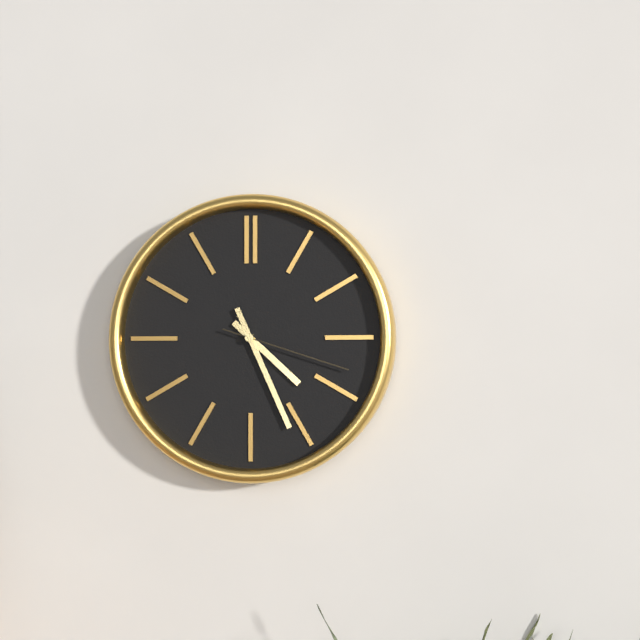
4:26:18
